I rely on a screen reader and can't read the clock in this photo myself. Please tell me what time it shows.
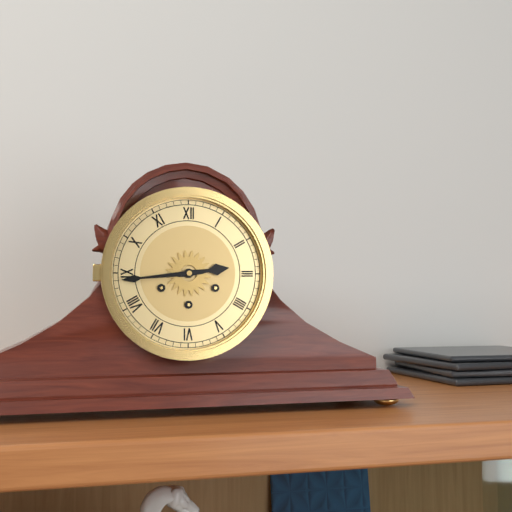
2:44
